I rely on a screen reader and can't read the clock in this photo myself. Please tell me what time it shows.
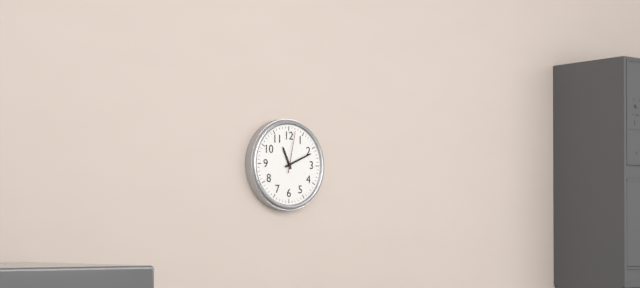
11:11
